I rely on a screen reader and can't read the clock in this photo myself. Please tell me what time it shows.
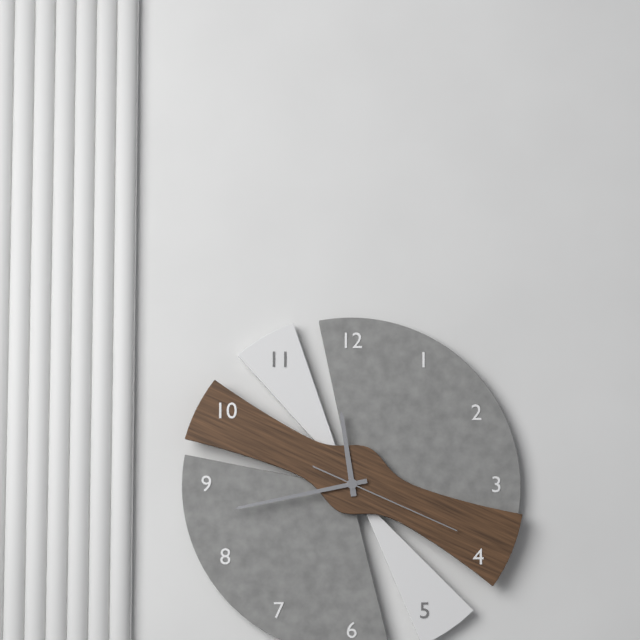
11:43:19
